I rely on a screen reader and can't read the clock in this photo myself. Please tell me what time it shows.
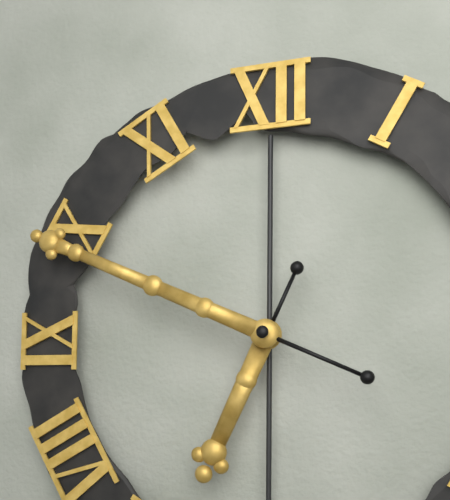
6:49
